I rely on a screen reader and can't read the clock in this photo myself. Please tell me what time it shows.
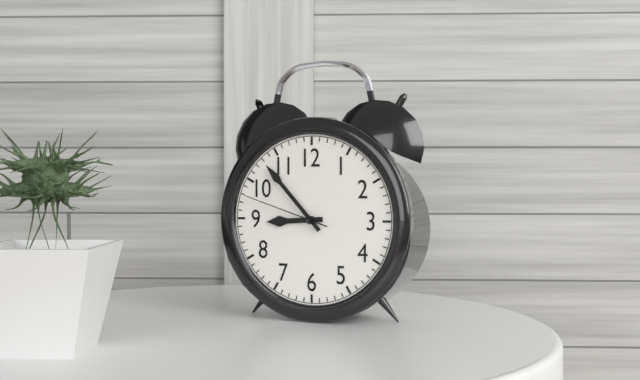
8:53:48
